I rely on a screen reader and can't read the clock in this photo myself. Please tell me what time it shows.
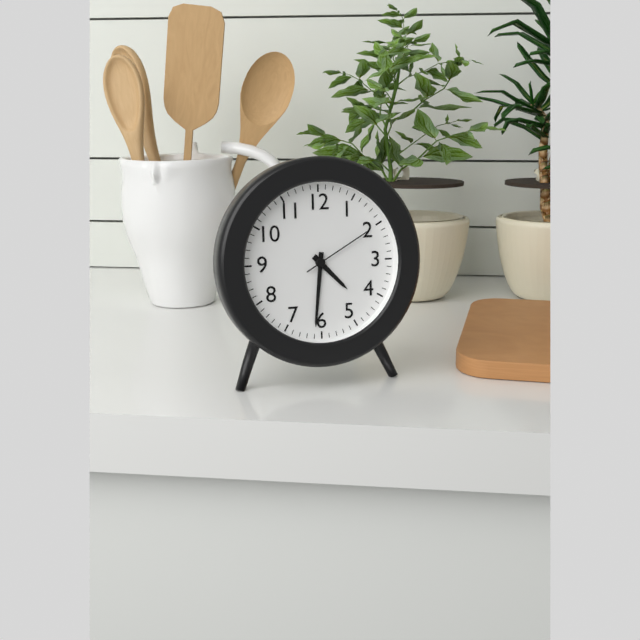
4:31:10
